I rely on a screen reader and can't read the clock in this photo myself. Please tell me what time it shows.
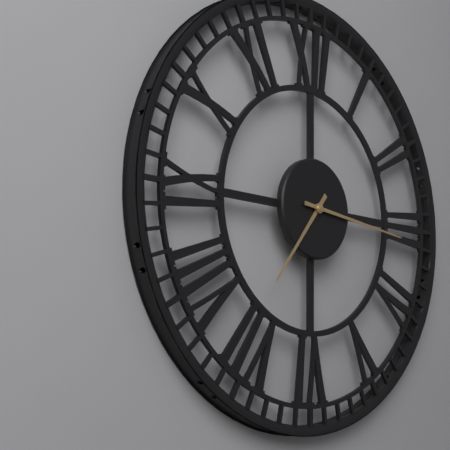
7:16
